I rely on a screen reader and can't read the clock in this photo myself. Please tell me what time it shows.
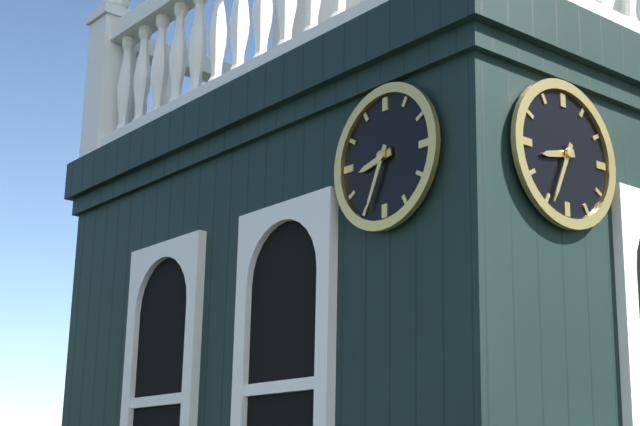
8:34
